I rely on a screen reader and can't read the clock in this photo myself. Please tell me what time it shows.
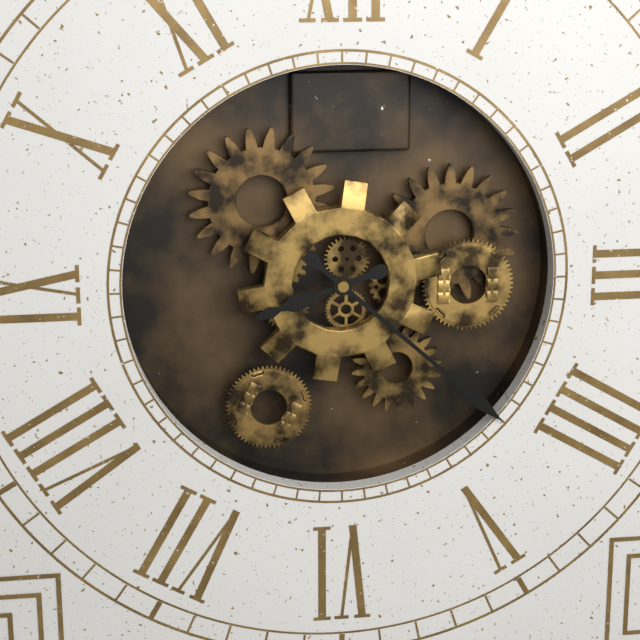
8:22
